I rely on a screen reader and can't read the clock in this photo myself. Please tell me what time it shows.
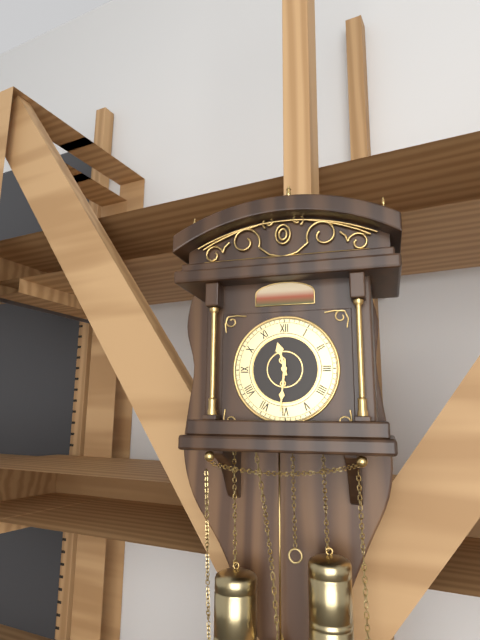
11:31
